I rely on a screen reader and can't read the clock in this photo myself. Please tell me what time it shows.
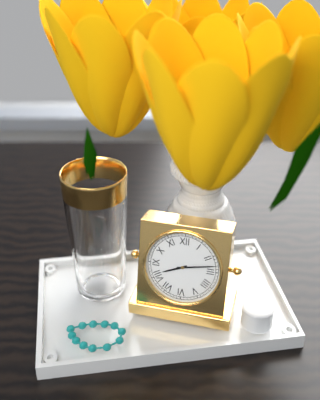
8:13
